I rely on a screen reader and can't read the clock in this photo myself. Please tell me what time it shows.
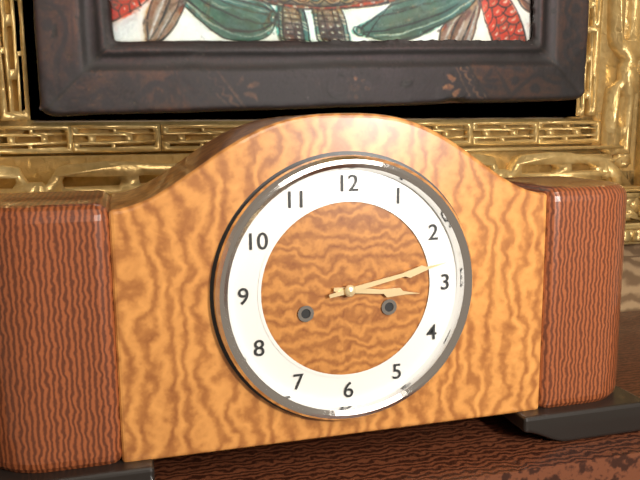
3:13
